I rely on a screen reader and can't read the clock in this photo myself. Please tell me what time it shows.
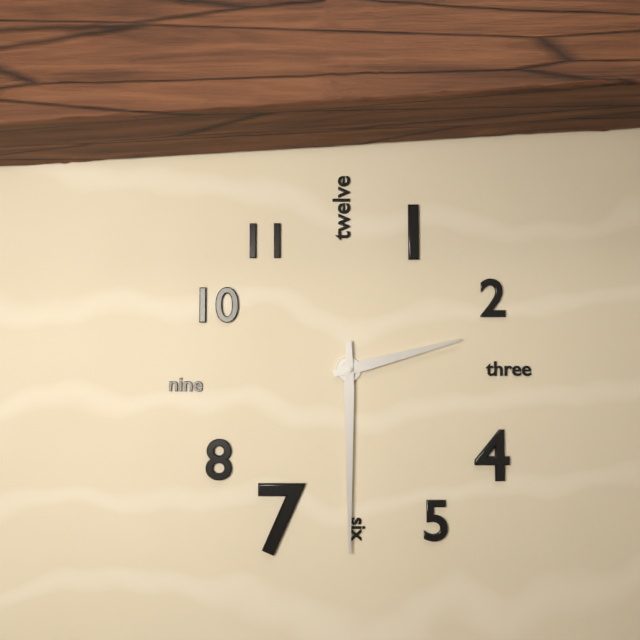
2:30
